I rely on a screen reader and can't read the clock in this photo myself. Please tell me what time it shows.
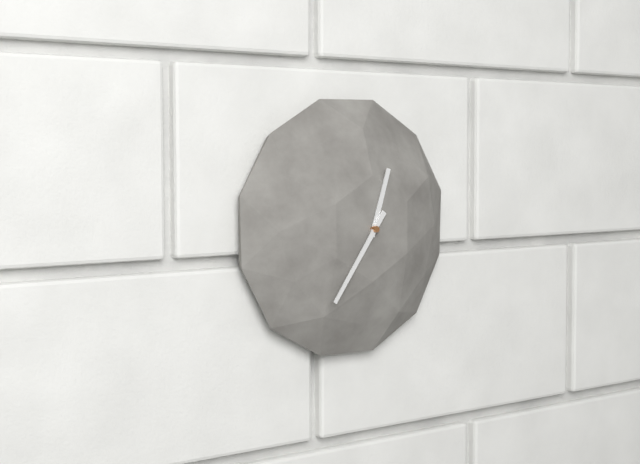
12:36
